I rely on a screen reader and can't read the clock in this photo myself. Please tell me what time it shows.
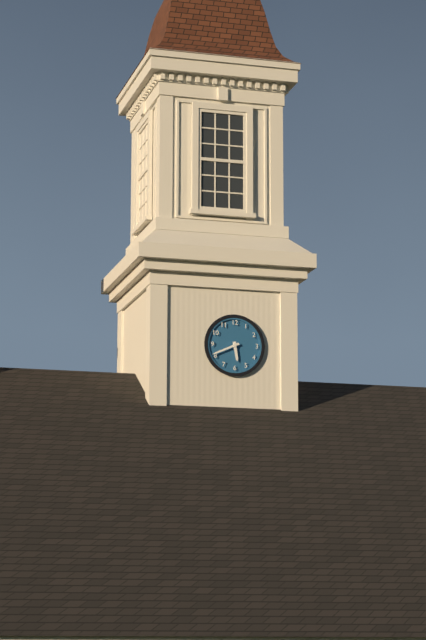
5:41
